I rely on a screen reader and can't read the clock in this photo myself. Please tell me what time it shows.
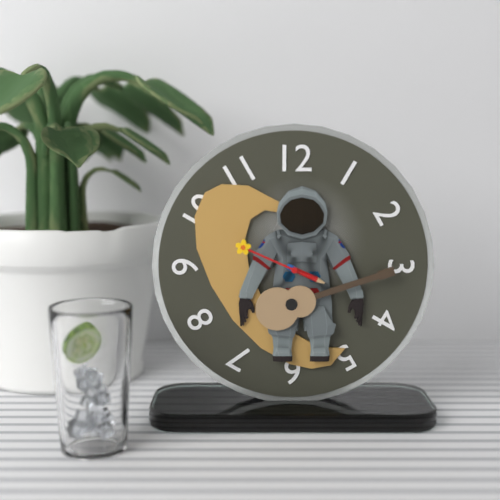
3:49
